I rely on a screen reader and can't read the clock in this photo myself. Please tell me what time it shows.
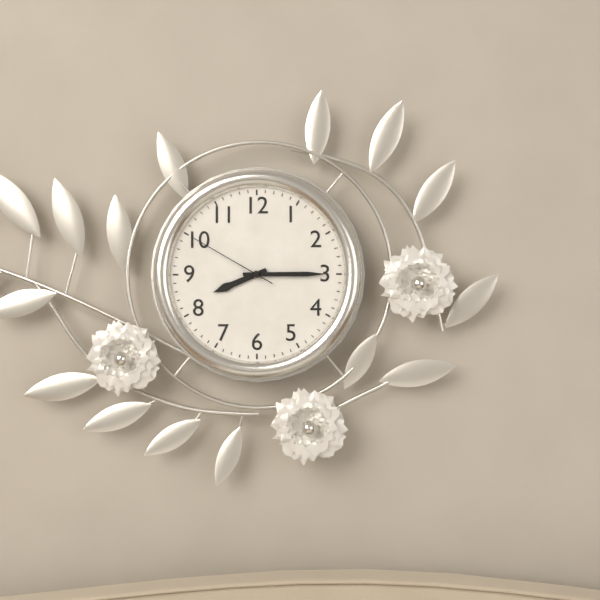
8:15:50
